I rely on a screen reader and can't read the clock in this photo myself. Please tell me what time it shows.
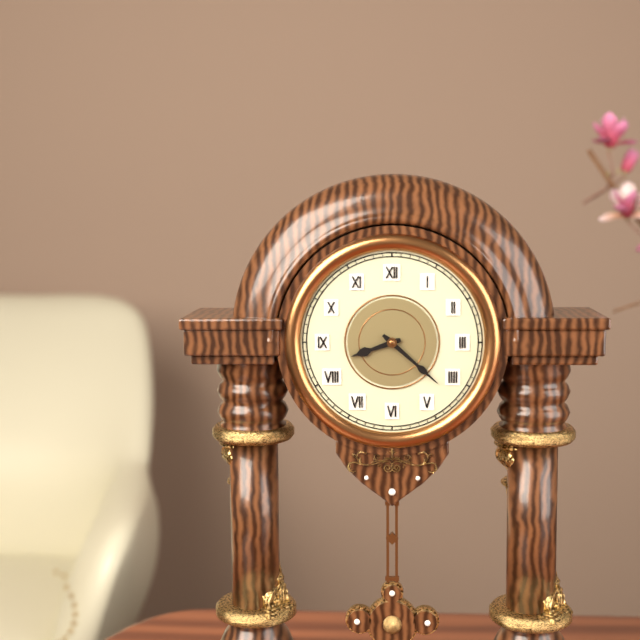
8:22
